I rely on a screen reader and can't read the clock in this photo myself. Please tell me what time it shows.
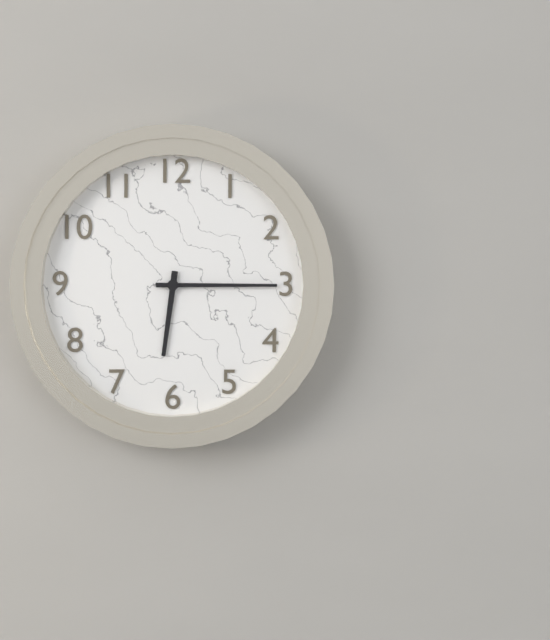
6:15
